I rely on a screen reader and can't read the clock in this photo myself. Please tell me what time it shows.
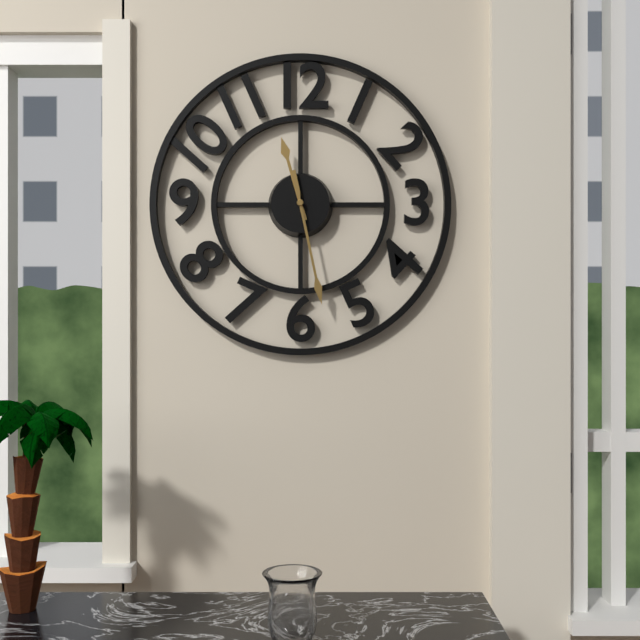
11:28
